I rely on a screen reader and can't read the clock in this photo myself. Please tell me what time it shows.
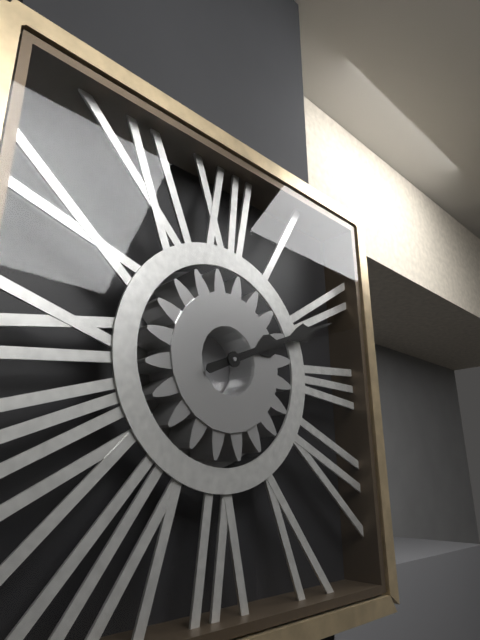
2:11
